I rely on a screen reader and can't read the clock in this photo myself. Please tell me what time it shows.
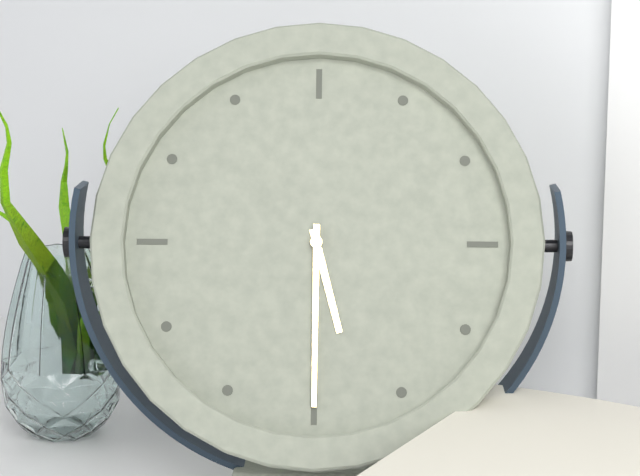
5:30
